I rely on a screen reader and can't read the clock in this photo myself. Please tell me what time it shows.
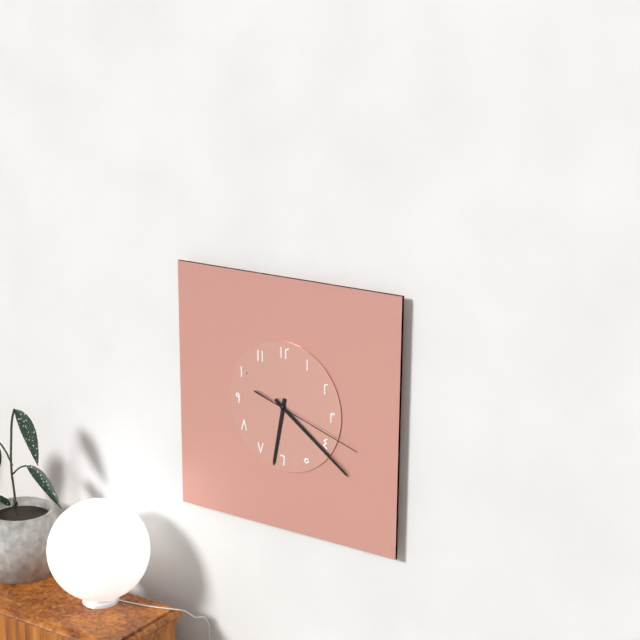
6:21:18
